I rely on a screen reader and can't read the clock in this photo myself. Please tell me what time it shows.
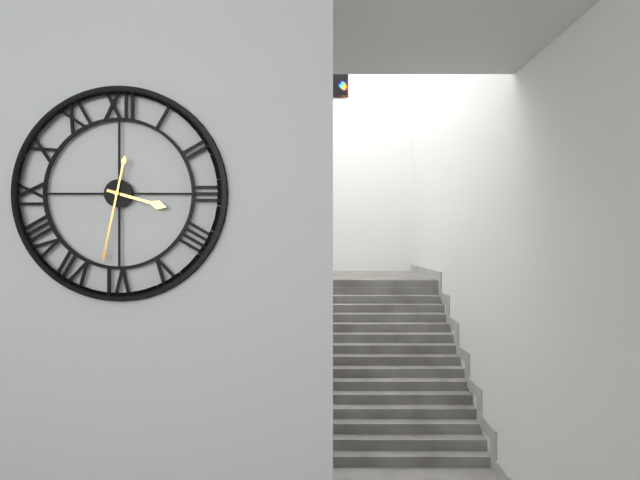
3:32
